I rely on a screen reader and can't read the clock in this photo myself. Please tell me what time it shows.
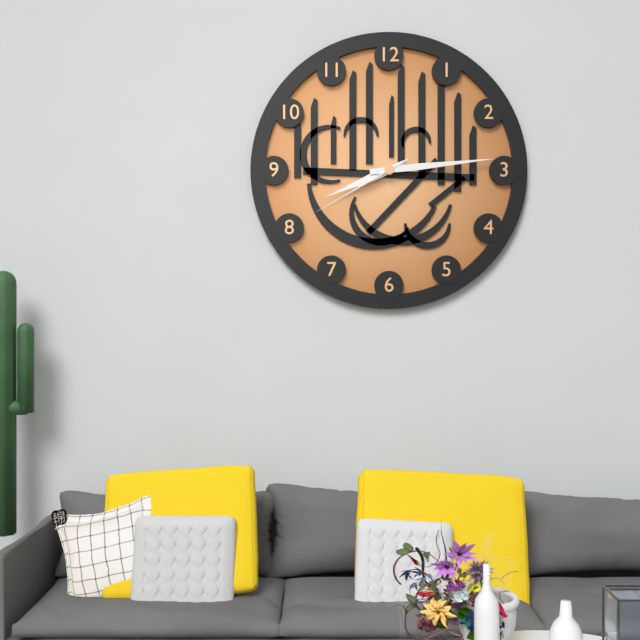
8:14:40
